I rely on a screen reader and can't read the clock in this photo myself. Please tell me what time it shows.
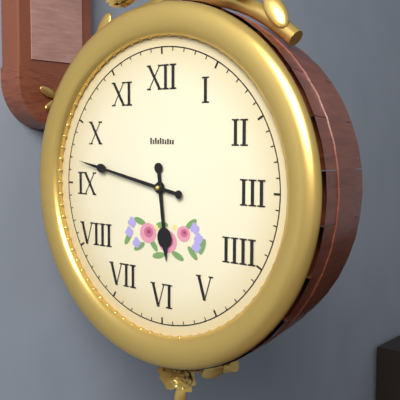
5:47
